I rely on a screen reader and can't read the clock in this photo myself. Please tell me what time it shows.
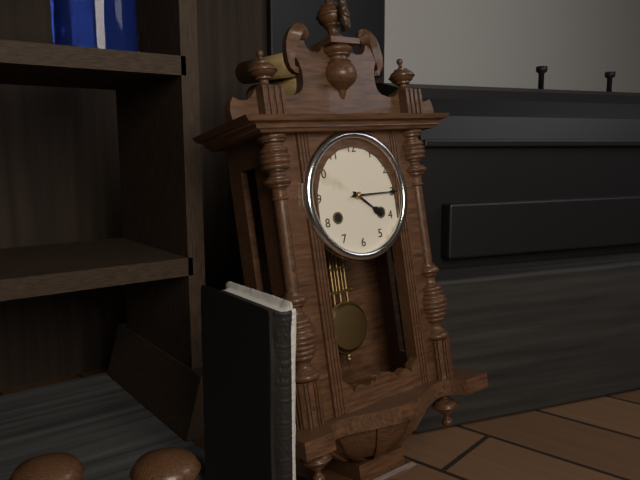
4:15
